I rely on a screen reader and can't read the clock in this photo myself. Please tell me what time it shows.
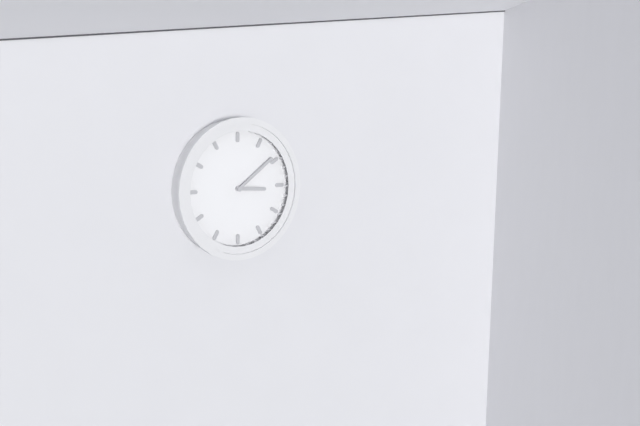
3:09
